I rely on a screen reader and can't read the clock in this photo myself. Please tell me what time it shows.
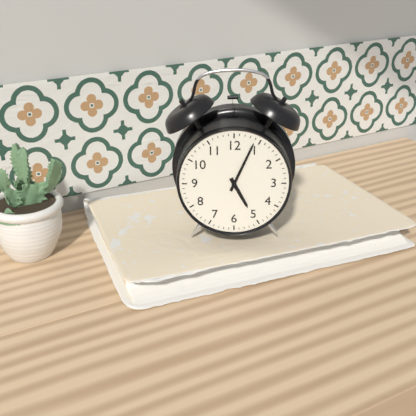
5:04
